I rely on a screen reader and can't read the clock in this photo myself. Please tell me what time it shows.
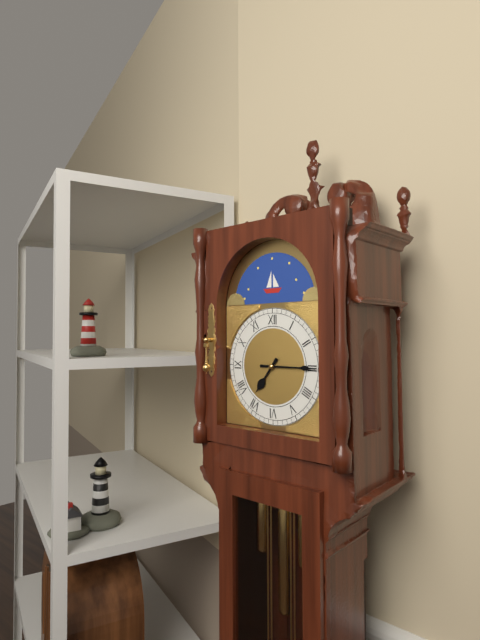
7:15
